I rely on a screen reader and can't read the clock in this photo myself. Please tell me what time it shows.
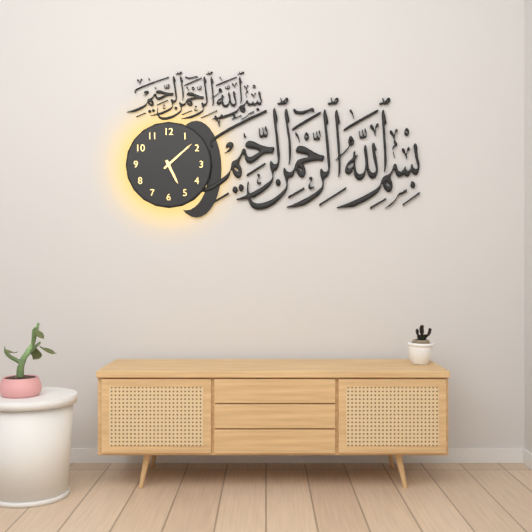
5:08
